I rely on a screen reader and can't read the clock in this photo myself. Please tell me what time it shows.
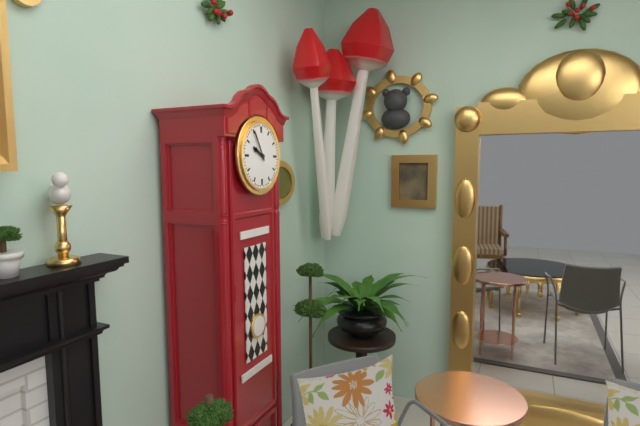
9:55
